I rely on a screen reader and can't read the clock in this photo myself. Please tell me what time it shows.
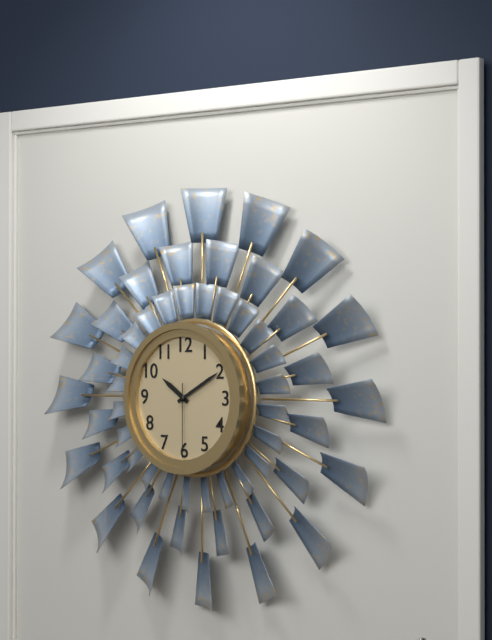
10:10:30
